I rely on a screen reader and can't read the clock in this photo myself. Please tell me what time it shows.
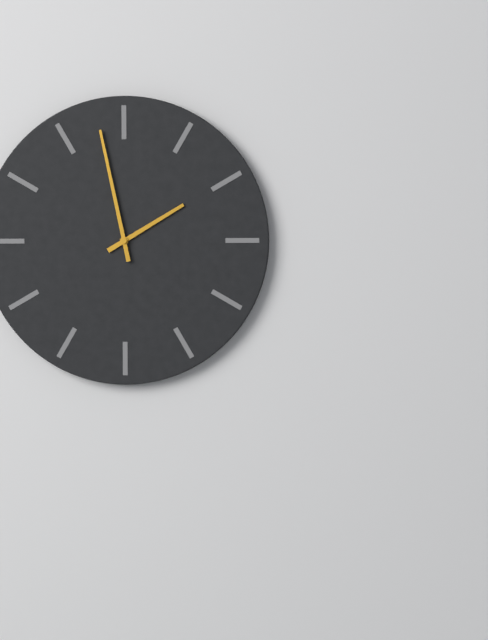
1:58
